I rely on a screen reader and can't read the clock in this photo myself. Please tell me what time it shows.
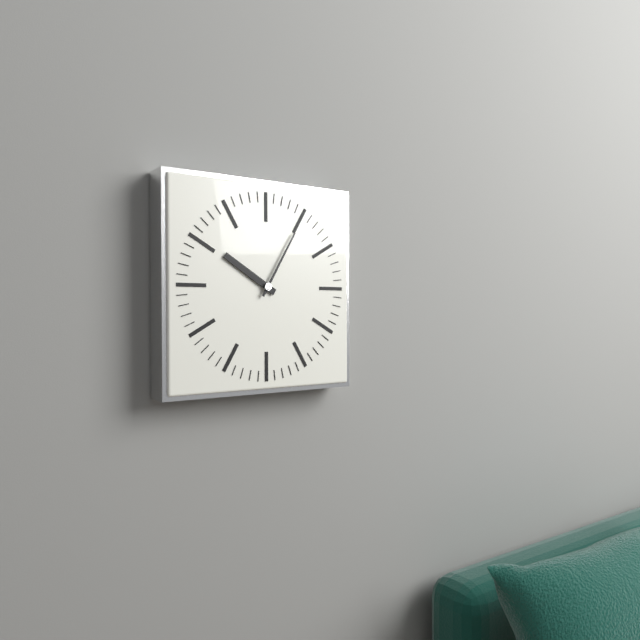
10:05
